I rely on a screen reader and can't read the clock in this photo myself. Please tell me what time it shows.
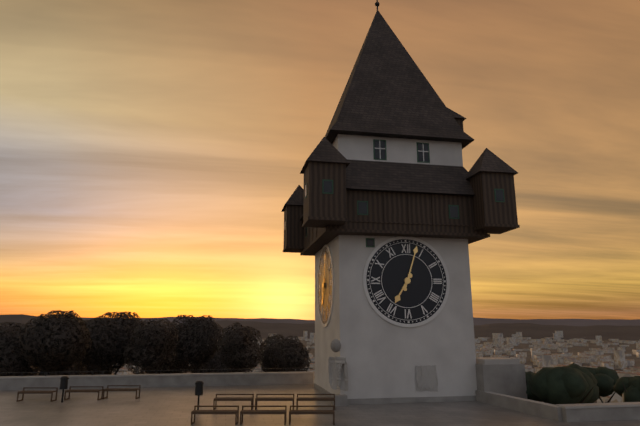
7:03
